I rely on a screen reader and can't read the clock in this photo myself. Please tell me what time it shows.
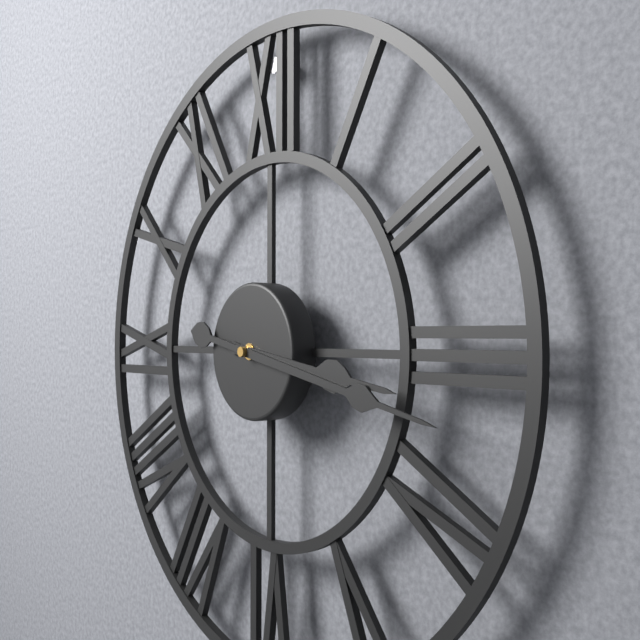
3:17
